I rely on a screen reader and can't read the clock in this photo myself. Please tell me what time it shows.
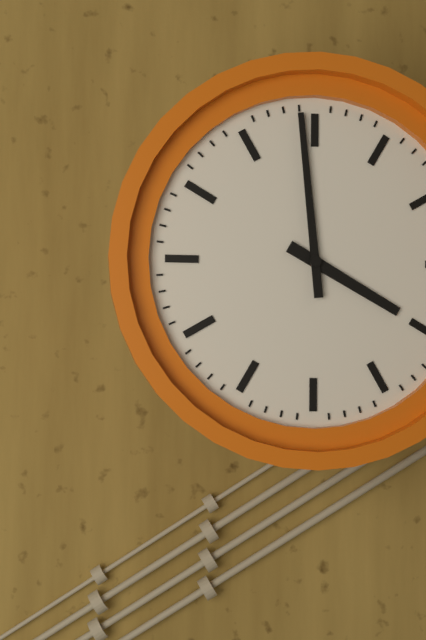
3:59
